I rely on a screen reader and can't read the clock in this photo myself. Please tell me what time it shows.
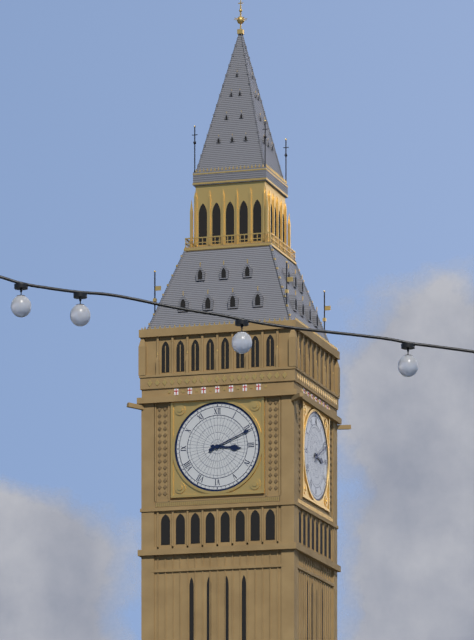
3:11
